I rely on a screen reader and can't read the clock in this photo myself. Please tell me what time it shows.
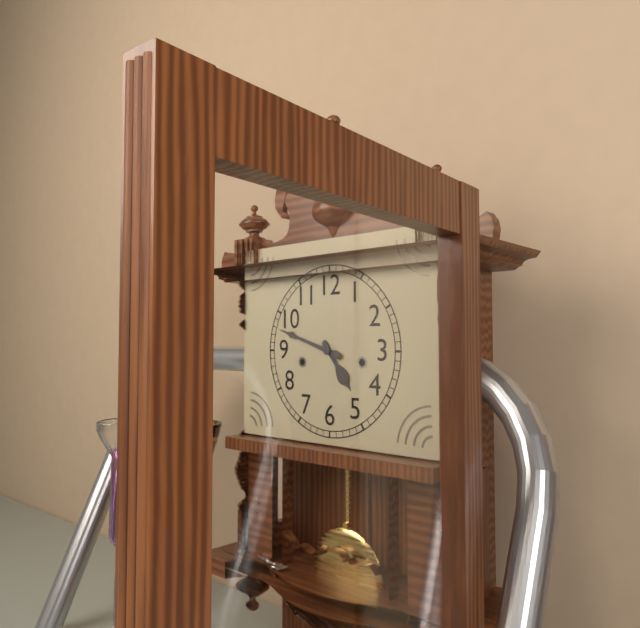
4:48
